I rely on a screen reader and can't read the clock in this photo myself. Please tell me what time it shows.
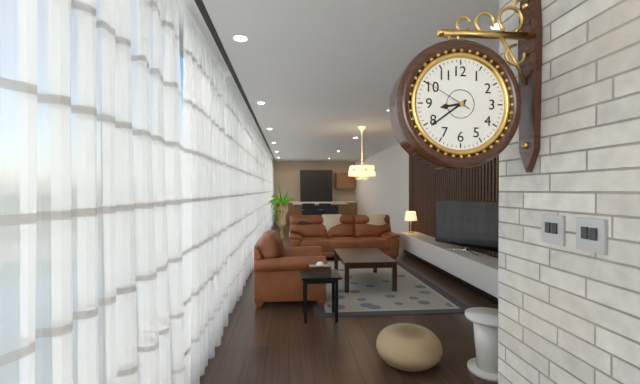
8:39:50
